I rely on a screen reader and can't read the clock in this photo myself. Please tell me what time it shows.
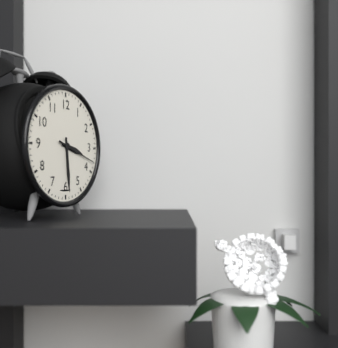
3:29
